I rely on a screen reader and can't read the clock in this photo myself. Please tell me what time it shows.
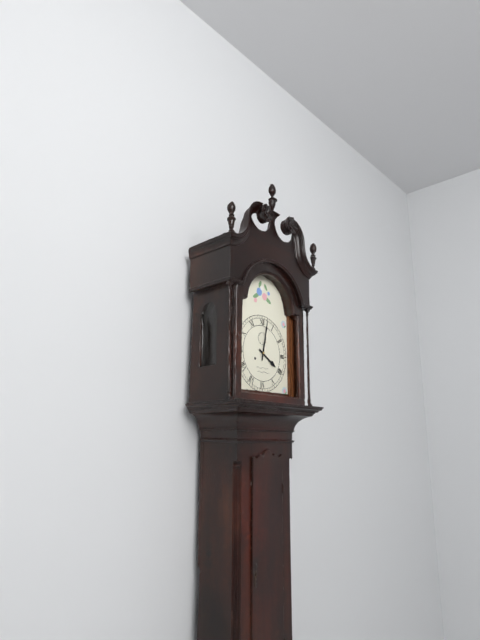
4:02
